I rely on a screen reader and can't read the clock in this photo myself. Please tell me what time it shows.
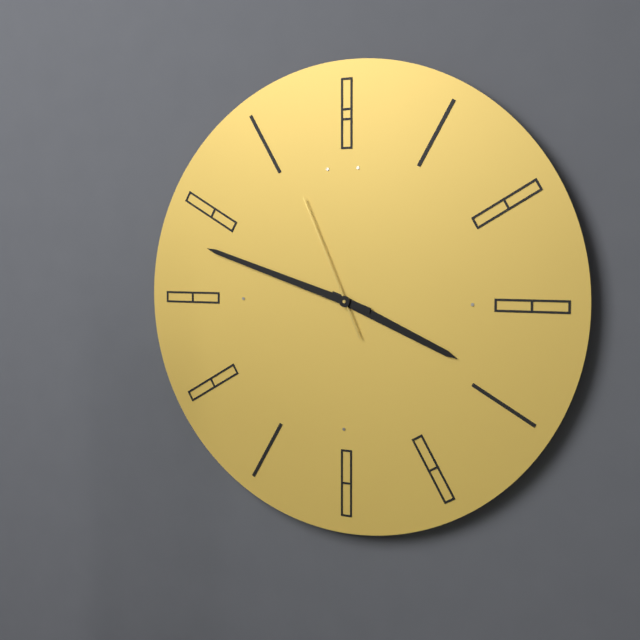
3:48:56
